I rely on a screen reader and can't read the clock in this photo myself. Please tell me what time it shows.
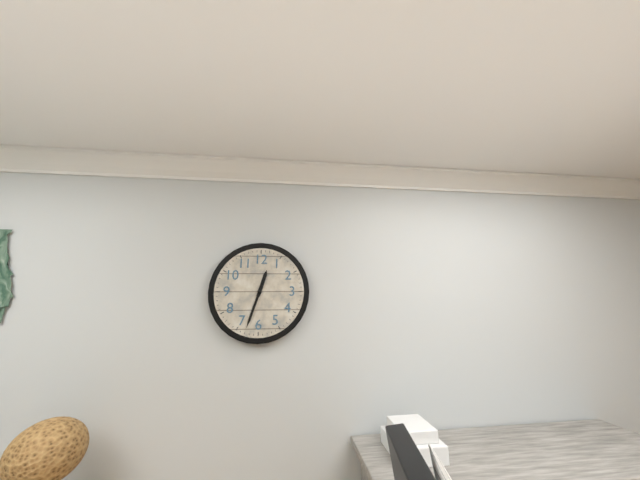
12:33
